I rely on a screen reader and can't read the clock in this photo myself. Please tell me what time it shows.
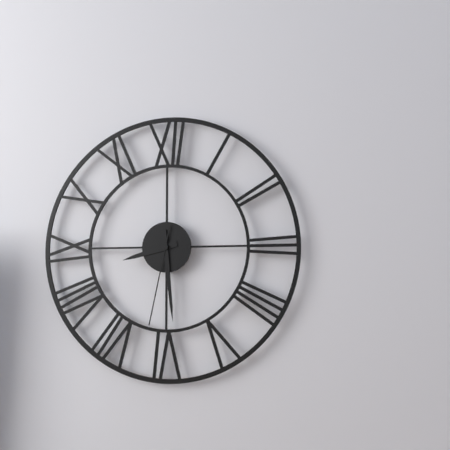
8:29:32
